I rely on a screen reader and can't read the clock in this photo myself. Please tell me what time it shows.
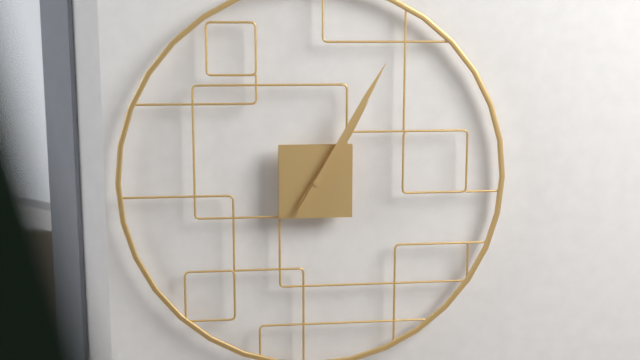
1:05
